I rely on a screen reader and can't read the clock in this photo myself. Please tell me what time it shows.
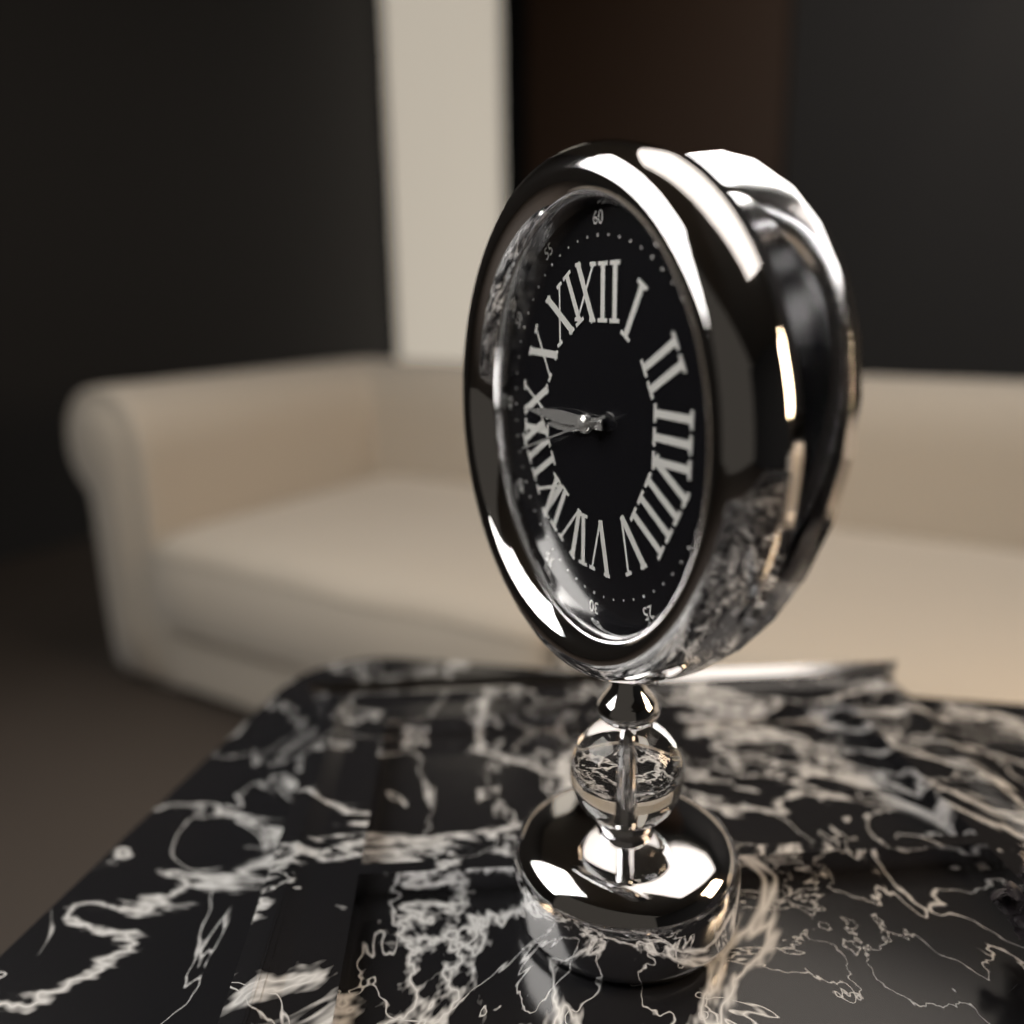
8:45:42
